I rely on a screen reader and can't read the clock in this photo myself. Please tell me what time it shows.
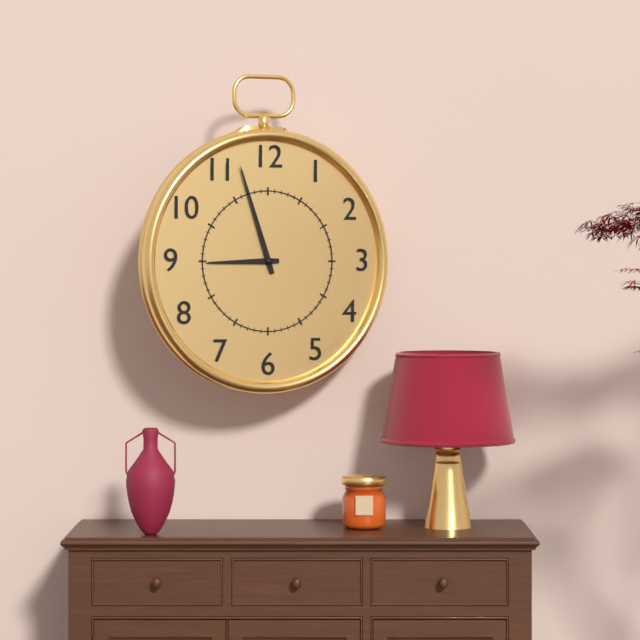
8:57
